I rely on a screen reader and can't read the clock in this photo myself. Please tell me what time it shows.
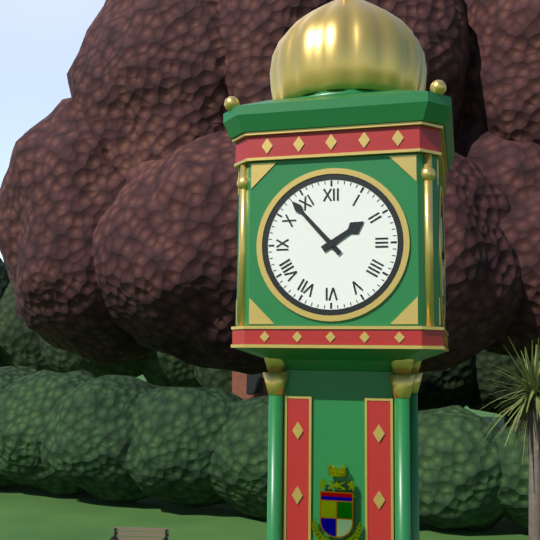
1:53
